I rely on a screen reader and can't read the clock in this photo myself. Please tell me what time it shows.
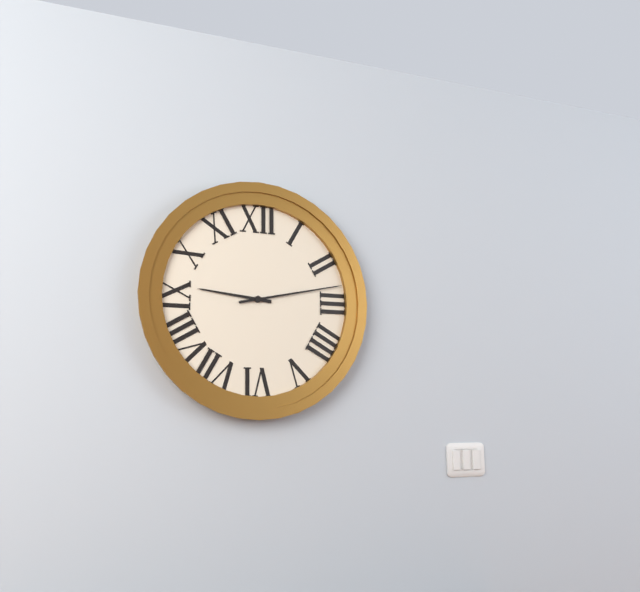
9:13
